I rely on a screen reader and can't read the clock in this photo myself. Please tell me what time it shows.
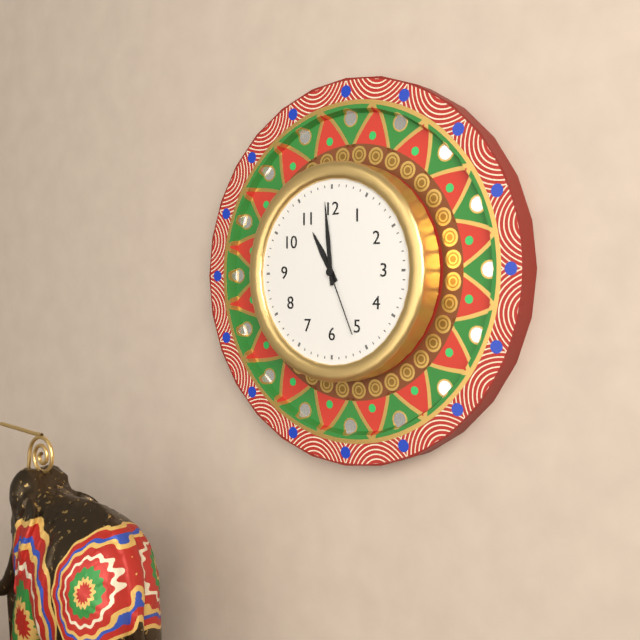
10:59:26
